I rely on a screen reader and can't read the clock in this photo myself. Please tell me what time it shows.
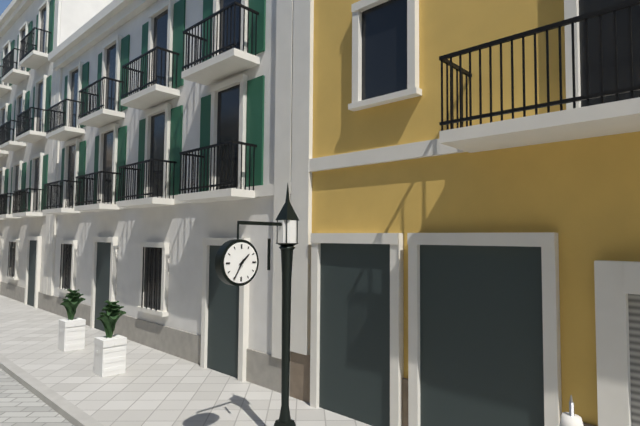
1:35
